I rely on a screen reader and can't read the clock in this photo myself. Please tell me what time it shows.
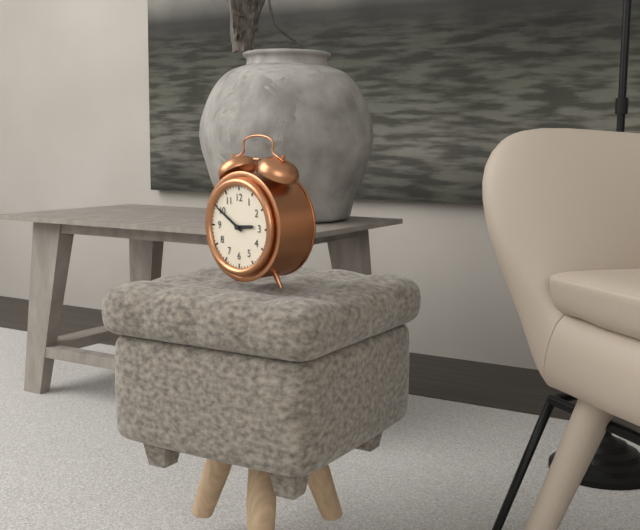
2:50
